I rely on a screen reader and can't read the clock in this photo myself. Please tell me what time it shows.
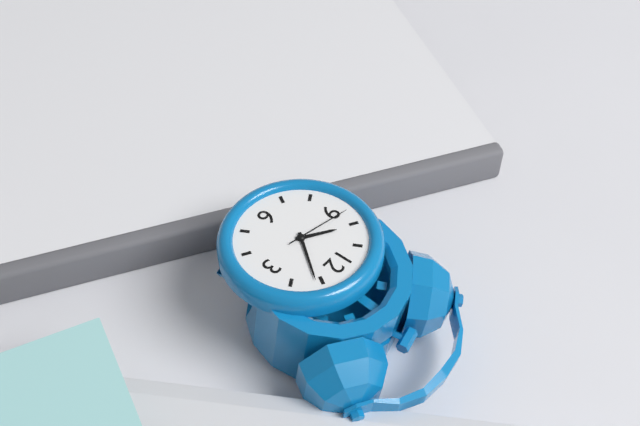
10:06:47
